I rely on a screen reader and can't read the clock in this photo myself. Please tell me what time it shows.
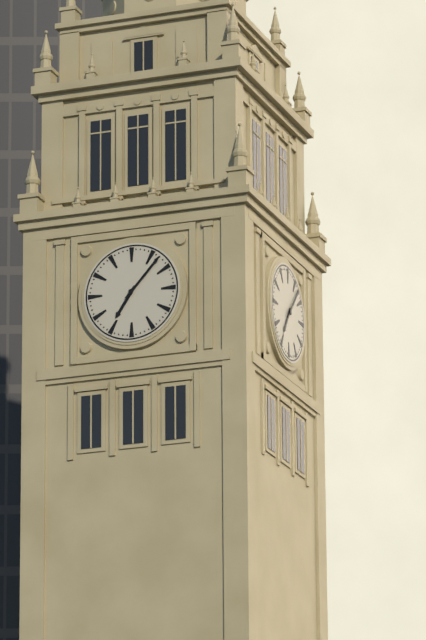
7:07
